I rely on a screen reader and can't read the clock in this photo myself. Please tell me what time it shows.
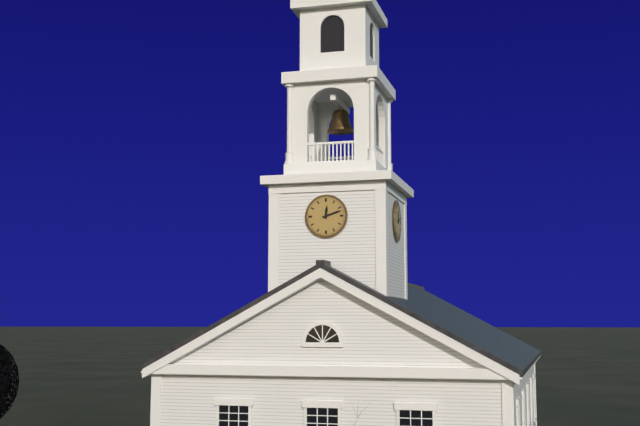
12:12
